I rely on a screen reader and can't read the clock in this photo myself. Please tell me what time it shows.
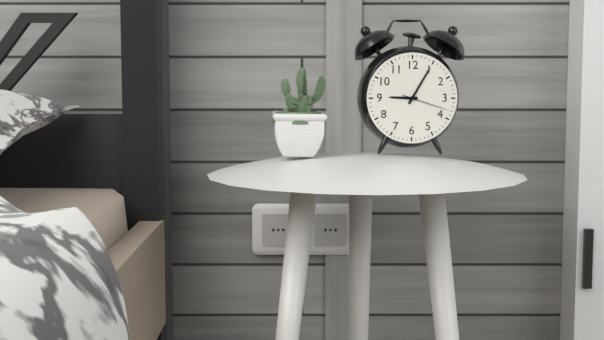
9:05
